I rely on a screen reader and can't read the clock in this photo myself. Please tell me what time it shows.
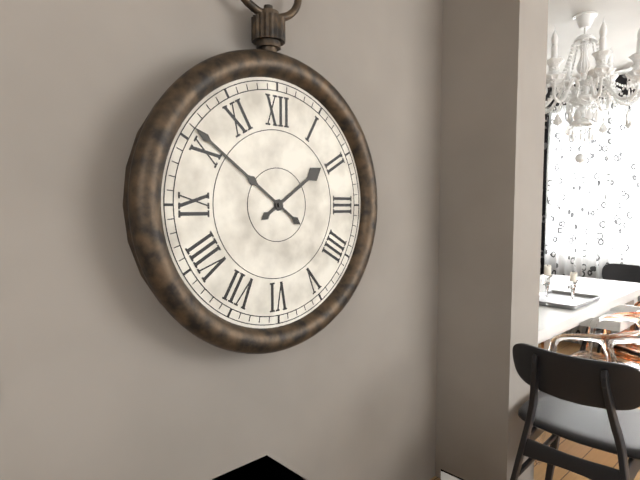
1:51
